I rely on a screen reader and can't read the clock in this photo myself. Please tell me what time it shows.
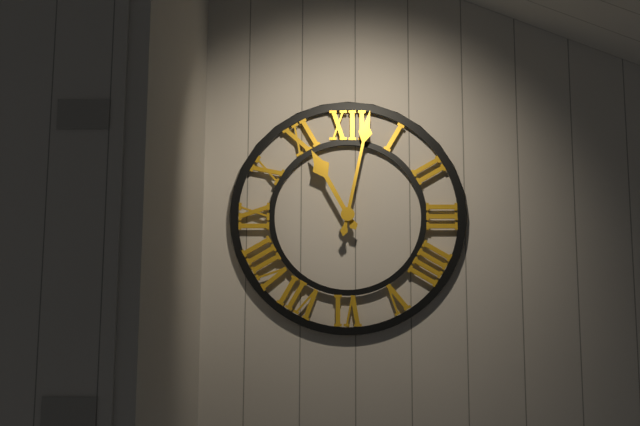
11:02
